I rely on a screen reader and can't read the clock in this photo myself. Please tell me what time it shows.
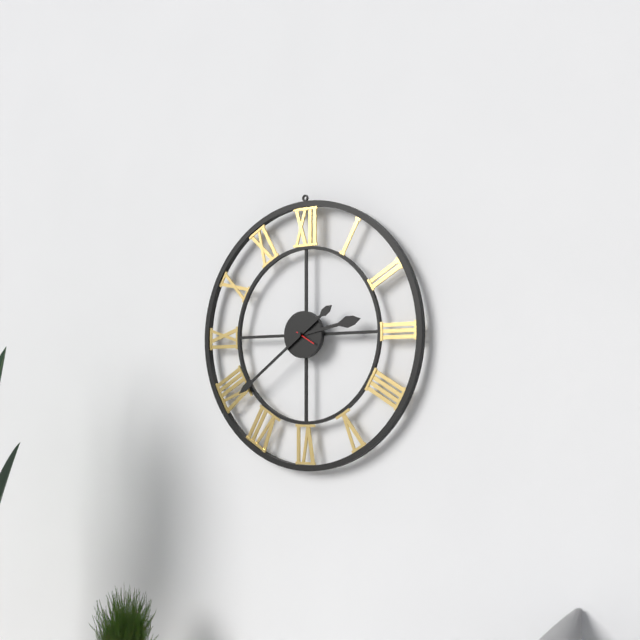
2:39
